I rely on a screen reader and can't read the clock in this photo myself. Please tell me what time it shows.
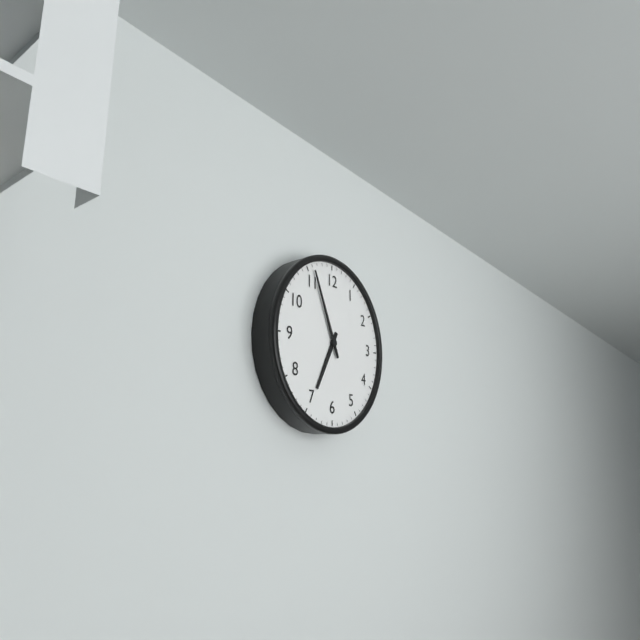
6:56
